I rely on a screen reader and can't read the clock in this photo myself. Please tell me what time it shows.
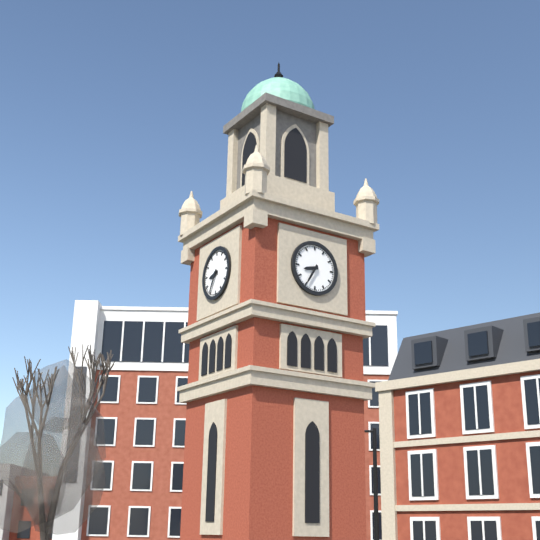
8:35
